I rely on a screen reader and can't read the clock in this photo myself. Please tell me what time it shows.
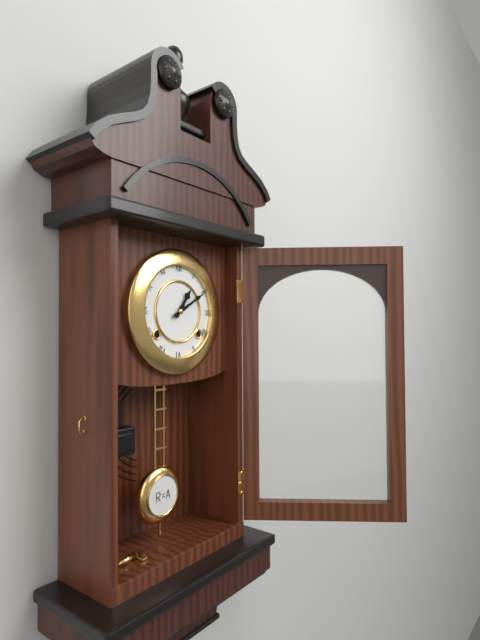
1:10
